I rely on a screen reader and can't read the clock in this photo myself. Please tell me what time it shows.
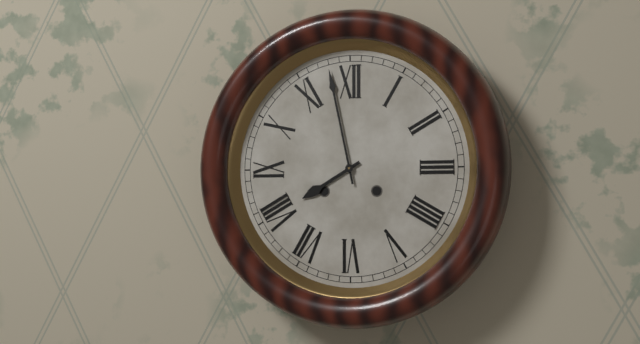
7:58
